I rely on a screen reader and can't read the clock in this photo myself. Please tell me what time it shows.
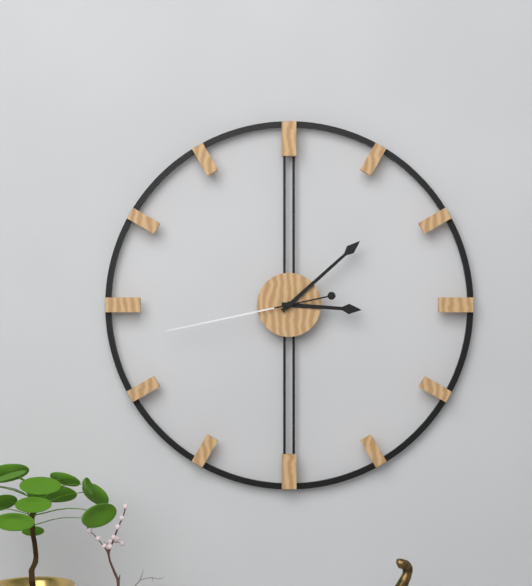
3:08:43
